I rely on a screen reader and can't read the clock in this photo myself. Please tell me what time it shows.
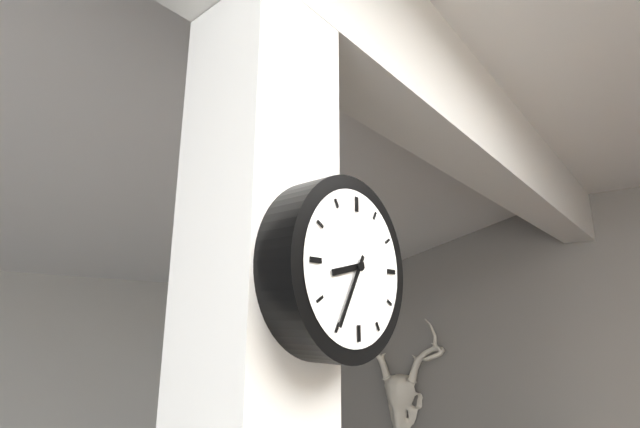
8:35
